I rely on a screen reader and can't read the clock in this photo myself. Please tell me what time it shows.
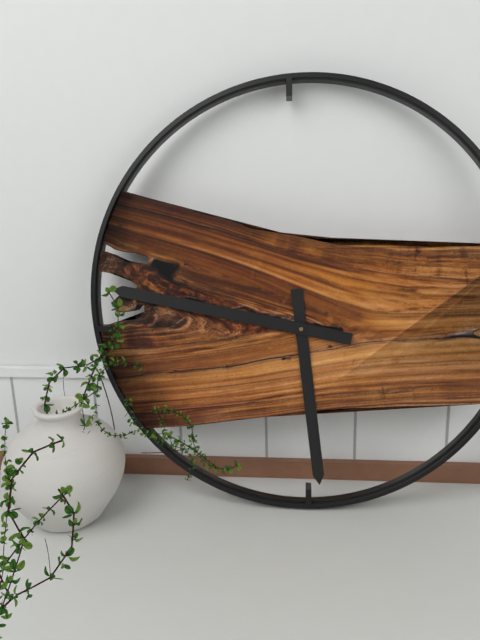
5:47
